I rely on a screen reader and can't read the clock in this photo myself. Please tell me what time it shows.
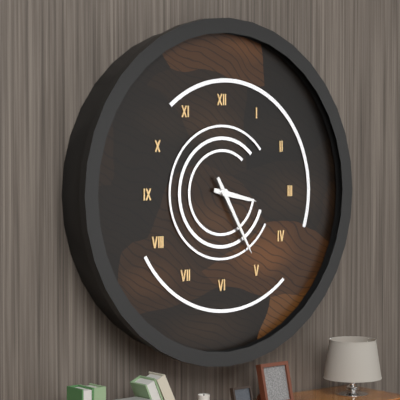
3:25
